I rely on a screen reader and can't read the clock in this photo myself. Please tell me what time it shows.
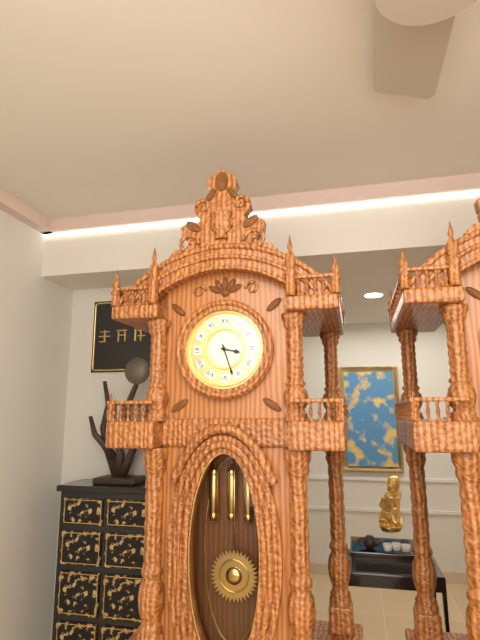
3:27
